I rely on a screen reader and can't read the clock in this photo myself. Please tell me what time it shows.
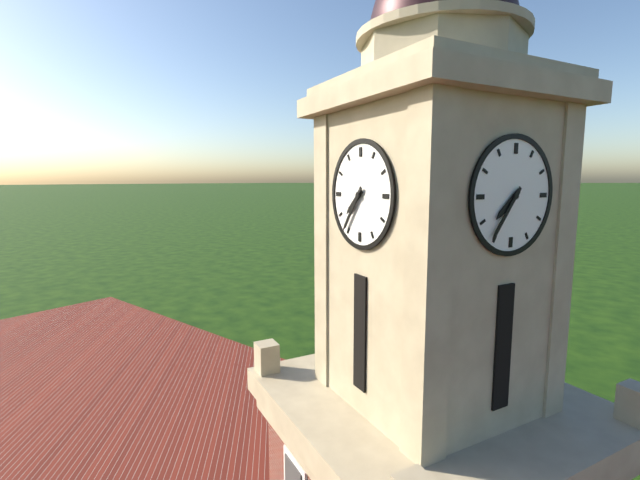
7:36
